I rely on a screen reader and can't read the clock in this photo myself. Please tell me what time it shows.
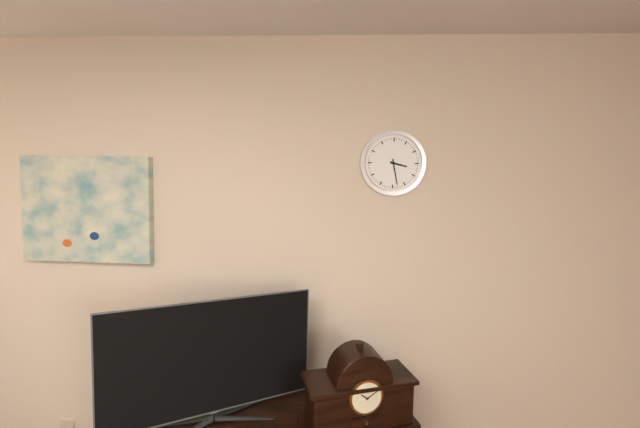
3:28
